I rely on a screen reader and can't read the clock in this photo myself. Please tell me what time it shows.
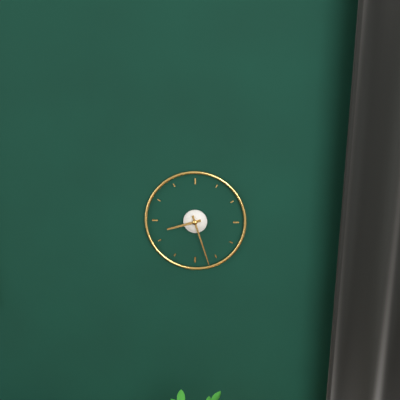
8:27
